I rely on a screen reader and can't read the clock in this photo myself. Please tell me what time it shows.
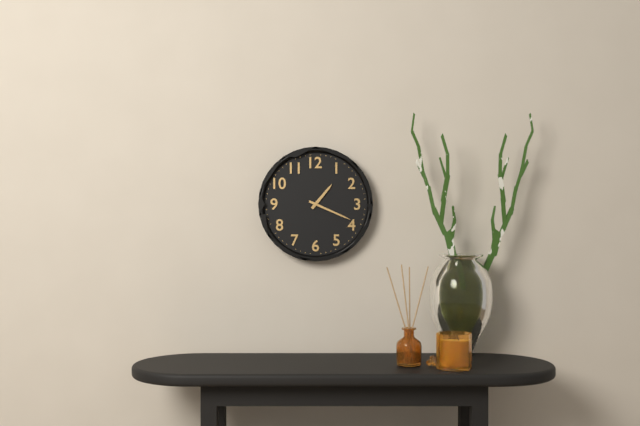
1:19
